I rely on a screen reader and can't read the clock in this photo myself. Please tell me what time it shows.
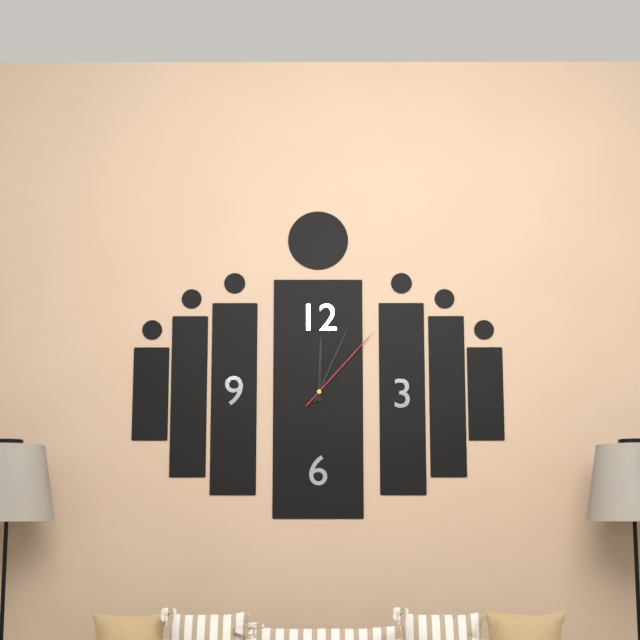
12:04:07
